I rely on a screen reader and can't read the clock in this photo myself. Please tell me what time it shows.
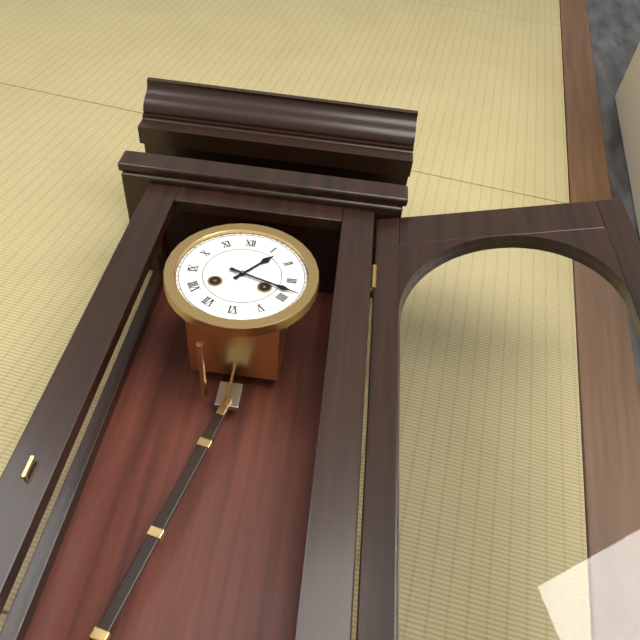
1:18
